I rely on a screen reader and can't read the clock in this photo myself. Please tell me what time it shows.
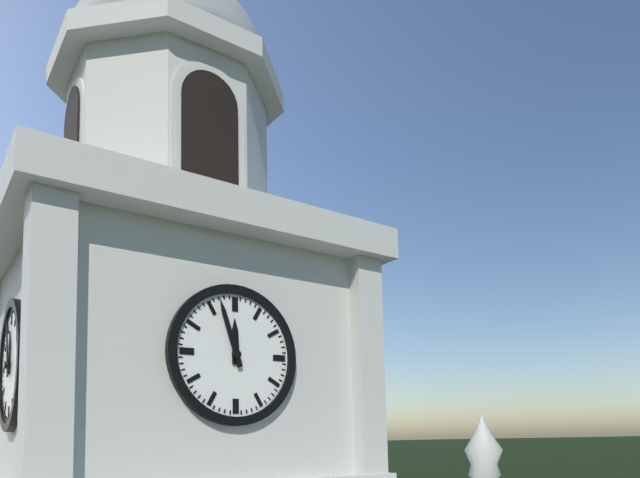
11:57
